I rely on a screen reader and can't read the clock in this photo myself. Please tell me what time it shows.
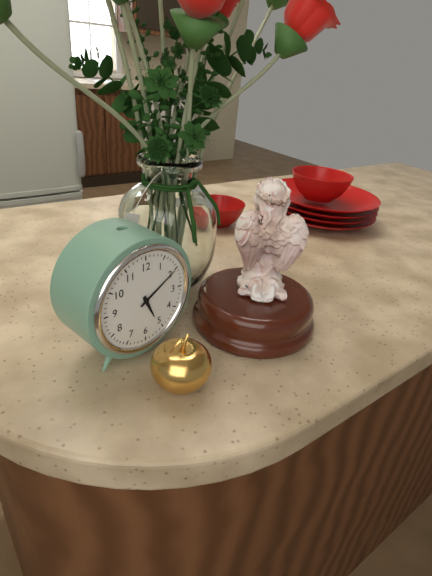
5:10
